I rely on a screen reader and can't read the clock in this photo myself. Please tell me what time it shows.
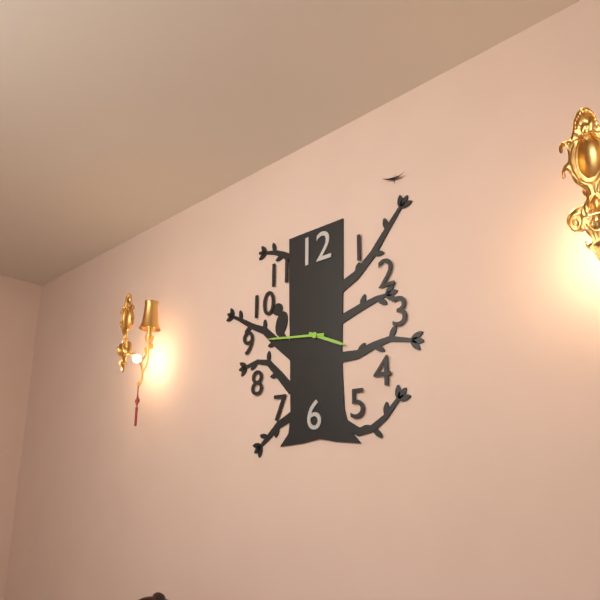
3:46
